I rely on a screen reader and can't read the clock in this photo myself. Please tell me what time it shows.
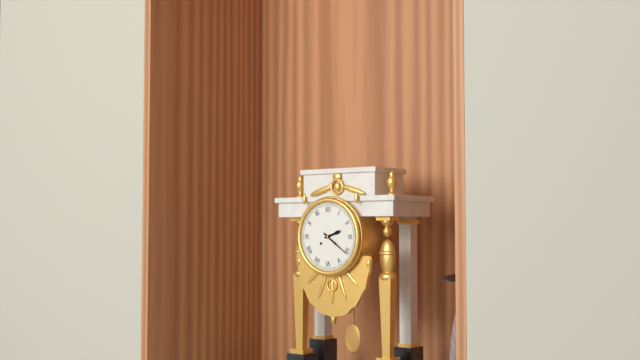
2:21
